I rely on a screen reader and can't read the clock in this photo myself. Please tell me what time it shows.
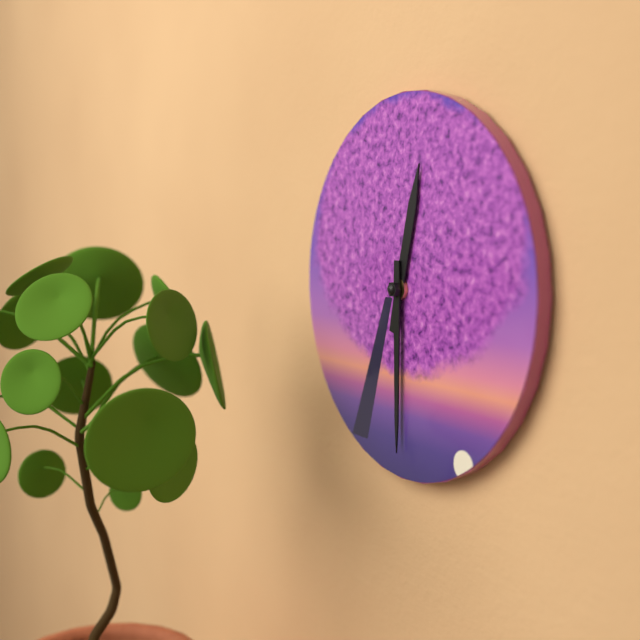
12:30
